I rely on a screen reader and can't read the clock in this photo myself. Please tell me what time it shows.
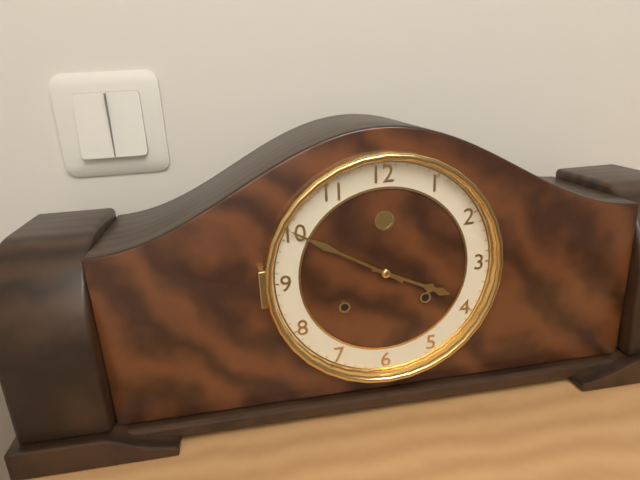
3:50
